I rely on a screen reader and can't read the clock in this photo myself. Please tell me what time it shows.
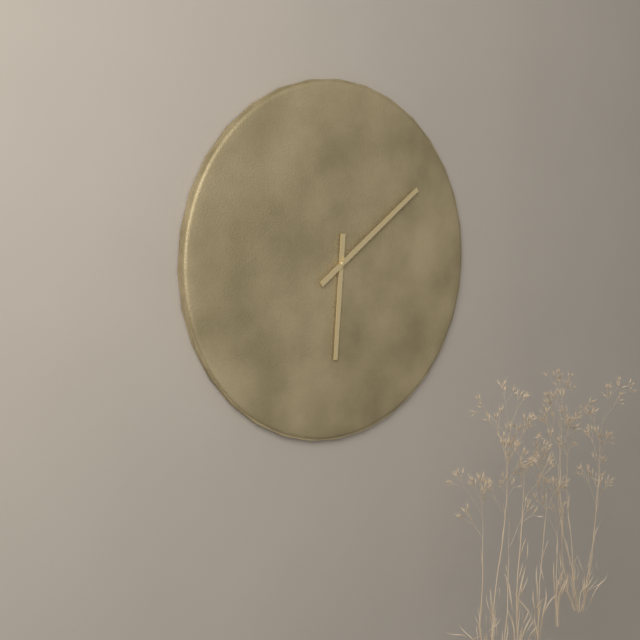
6:09
